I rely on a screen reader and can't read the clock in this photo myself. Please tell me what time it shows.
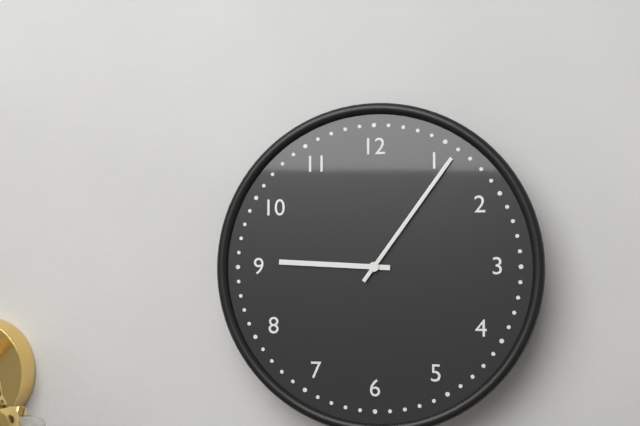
9:06
